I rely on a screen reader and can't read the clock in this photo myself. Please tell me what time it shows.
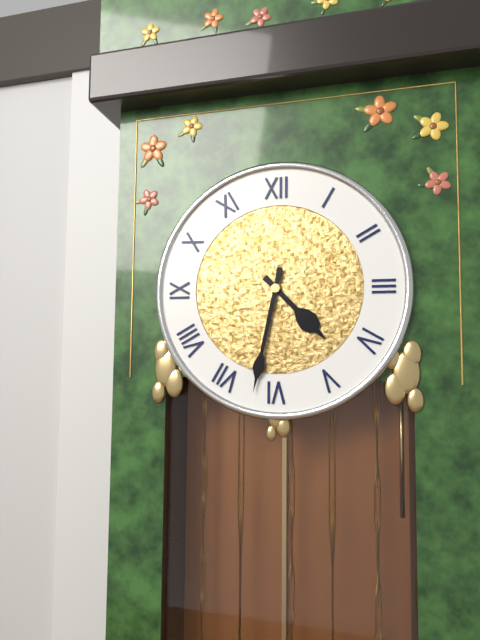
4:32
